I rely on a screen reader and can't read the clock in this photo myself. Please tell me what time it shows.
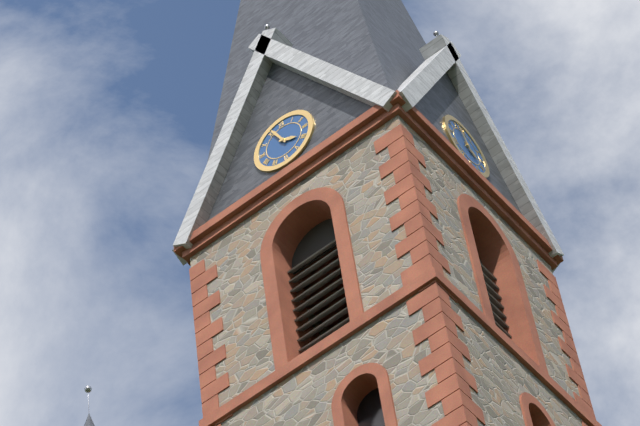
3:56
